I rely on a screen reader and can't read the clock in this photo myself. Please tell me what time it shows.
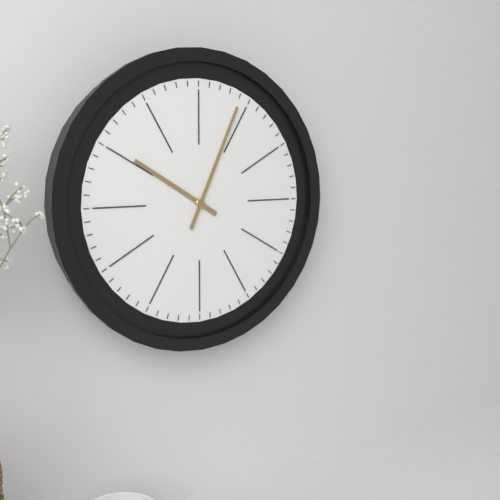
10:04
